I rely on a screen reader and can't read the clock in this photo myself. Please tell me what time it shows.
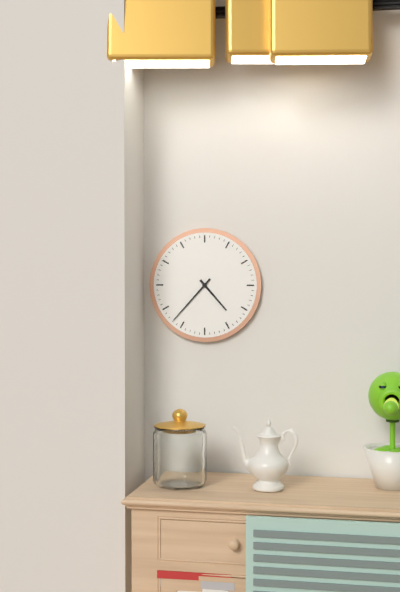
4:37
